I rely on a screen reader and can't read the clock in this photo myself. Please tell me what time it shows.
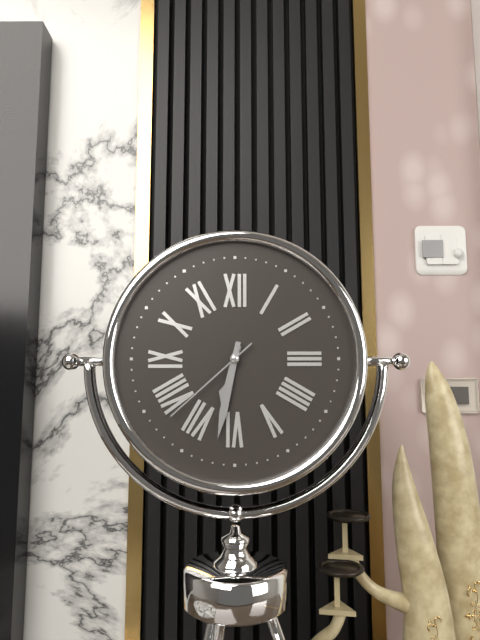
6:32:38
